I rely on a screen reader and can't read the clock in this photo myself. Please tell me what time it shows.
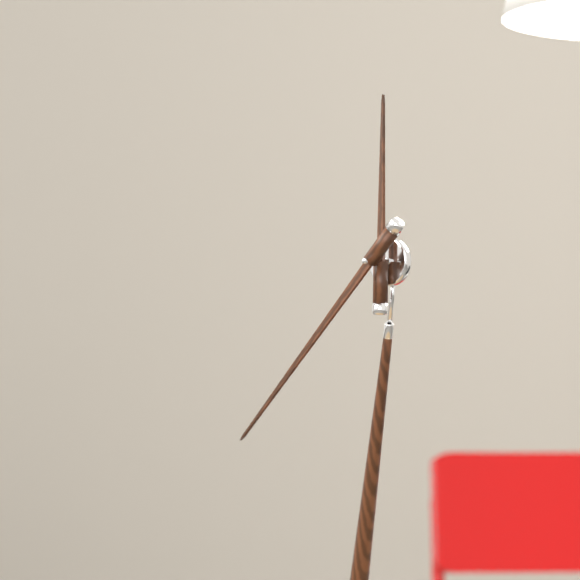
11:35
